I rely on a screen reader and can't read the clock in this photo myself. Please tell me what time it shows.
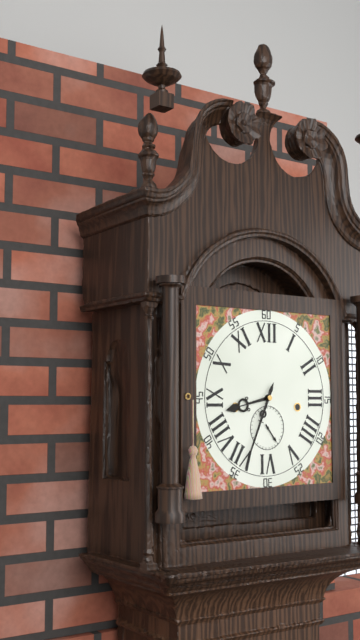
8:34
